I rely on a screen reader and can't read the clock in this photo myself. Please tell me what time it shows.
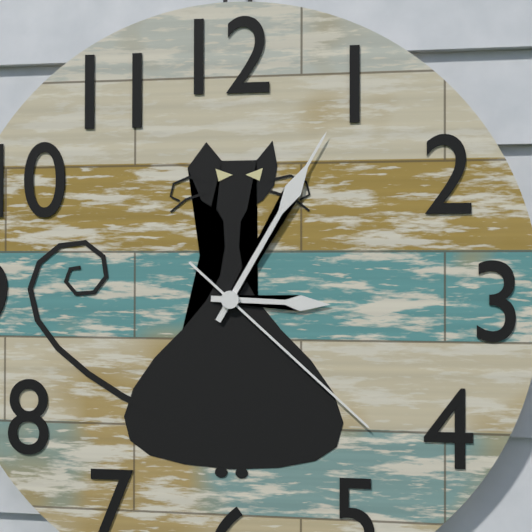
3:05:22
